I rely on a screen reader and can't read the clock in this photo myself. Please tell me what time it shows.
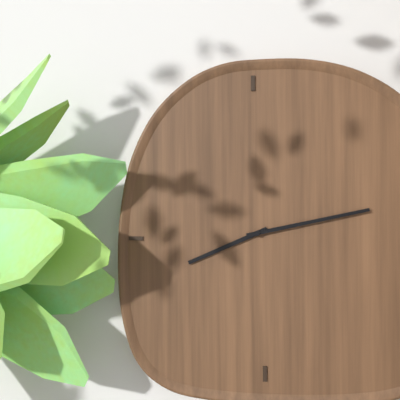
8:13
